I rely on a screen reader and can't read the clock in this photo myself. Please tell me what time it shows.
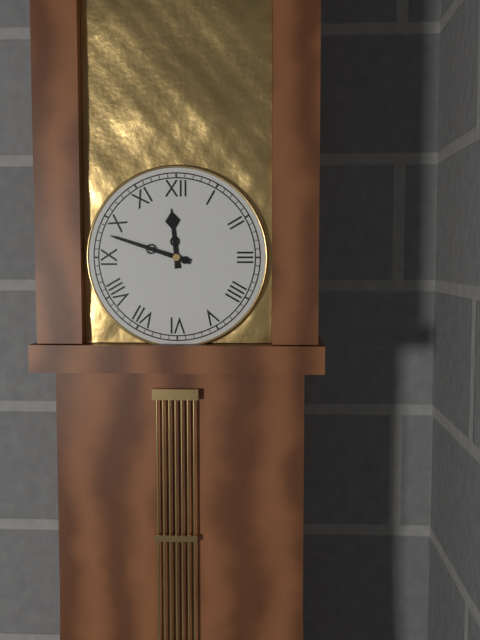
11:48
